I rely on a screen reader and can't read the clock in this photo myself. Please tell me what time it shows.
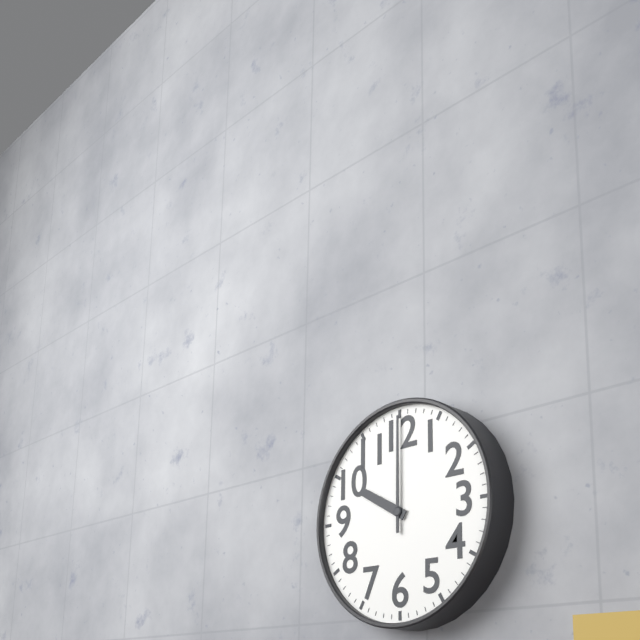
10:00
